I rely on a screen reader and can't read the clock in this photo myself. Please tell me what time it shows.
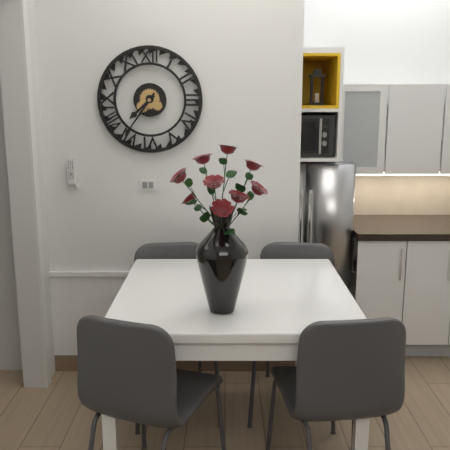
7:36
